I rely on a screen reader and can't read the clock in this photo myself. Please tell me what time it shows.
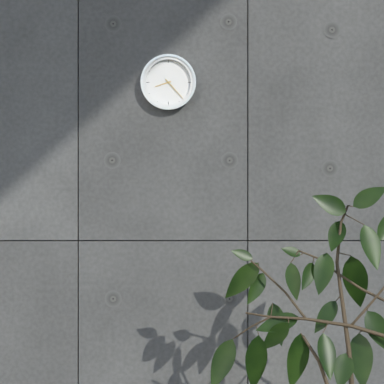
8:23
